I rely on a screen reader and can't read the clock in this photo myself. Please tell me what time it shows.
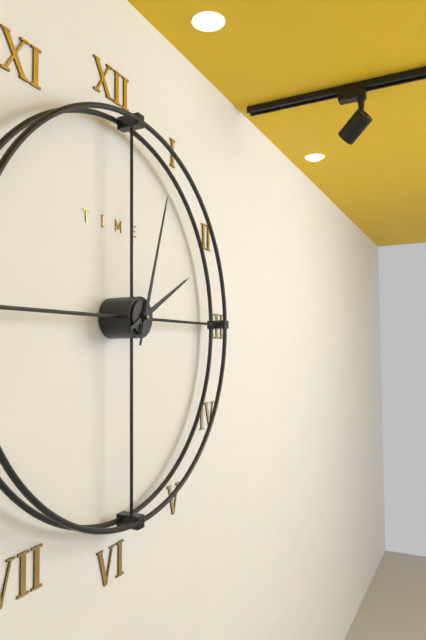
2:03
